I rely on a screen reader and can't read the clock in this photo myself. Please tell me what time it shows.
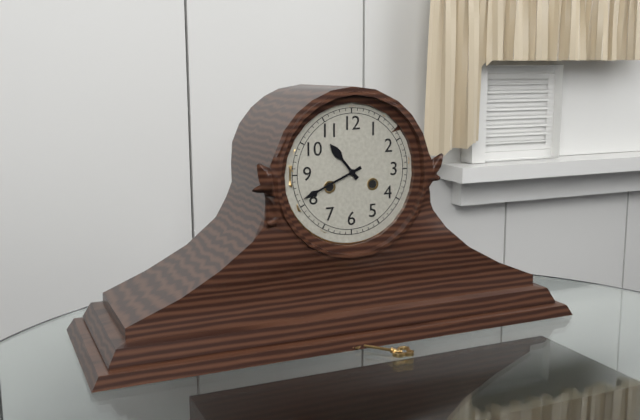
10:41
